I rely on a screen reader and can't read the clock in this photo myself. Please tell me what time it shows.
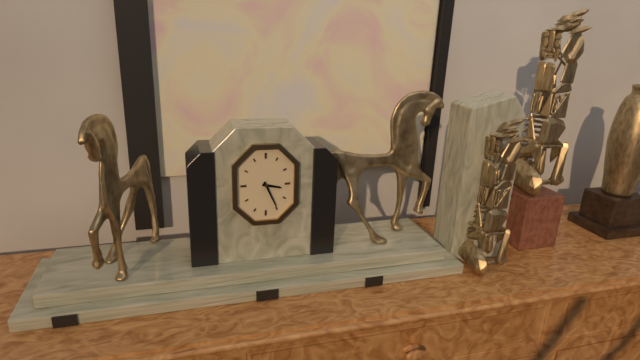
3:26
